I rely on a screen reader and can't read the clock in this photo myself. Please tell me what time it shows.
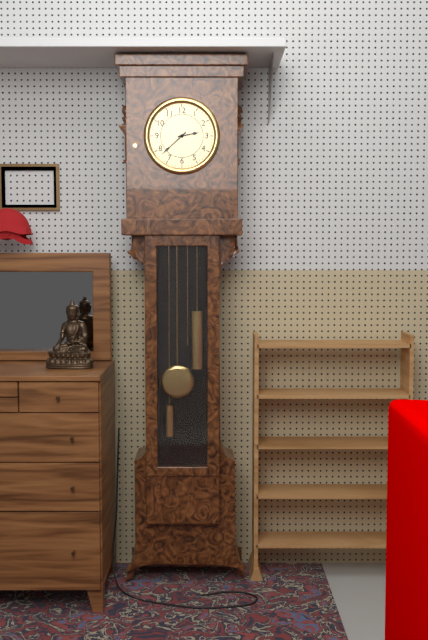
2:38
